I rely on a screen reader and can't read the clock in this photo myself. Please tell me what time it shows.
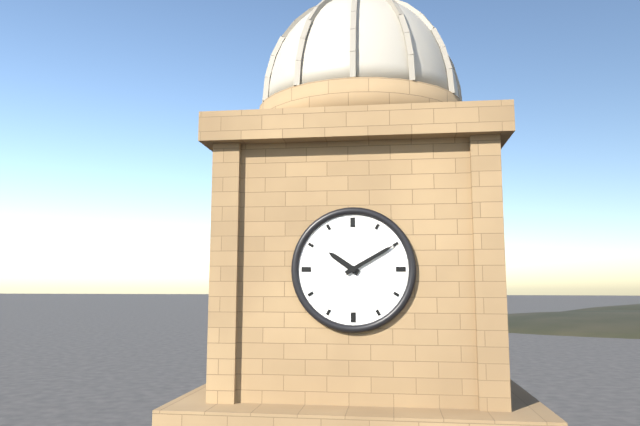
10:10
